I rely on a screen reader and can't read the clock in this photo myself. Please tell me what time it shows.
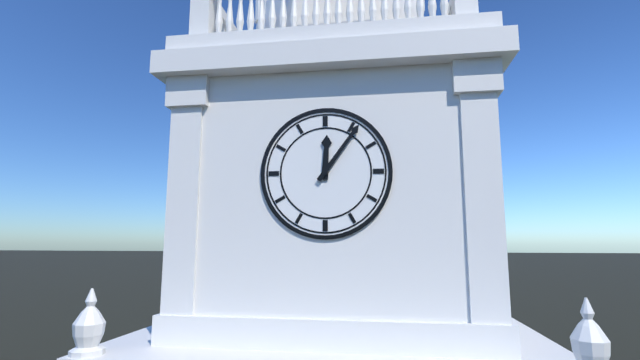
12:06
